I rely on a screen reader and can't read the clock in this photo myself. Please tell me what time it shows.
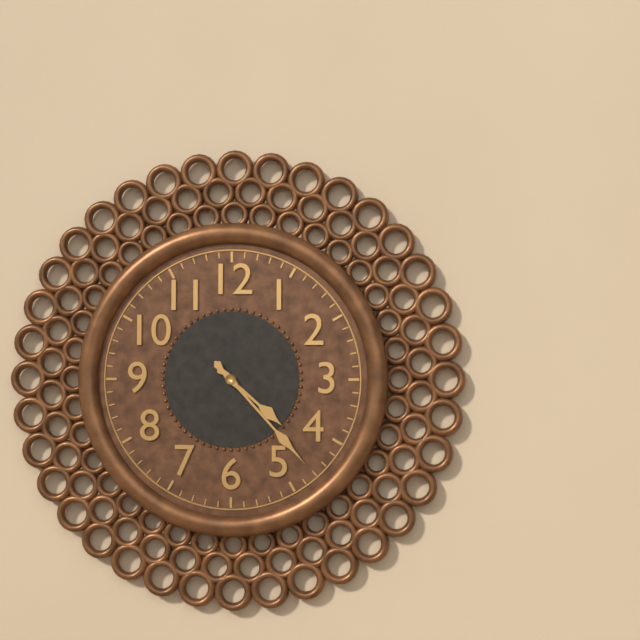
4:23
